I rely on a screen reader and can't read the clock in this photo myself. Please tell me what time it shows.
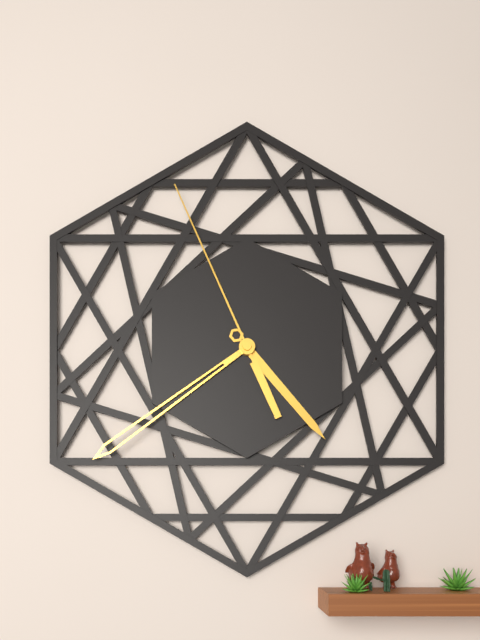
4:39:56
